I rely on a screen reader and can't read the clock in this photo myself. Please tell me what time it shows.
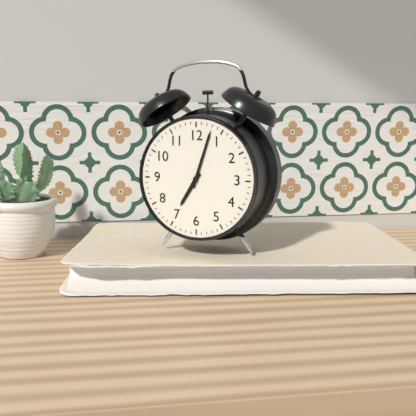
7:03
